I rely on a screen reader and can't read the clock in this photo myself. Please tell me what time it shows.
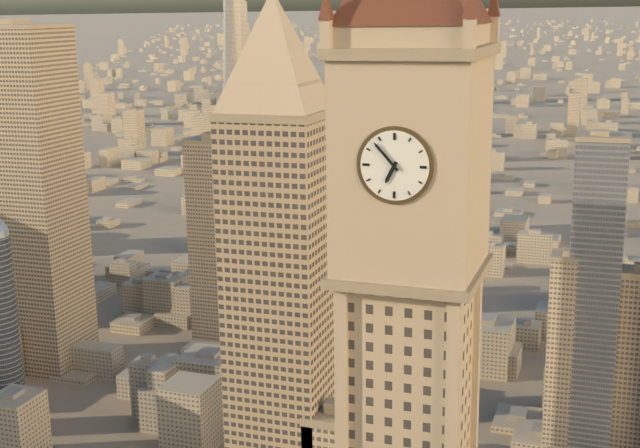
6:53
